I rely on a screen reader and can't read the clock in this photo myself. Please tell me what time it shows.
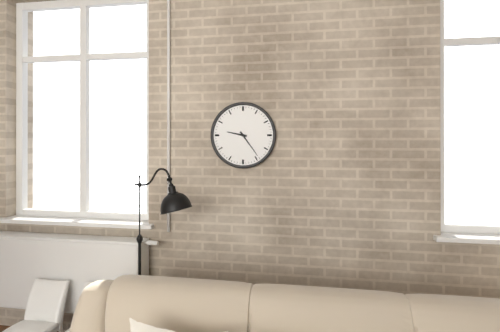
9:24
